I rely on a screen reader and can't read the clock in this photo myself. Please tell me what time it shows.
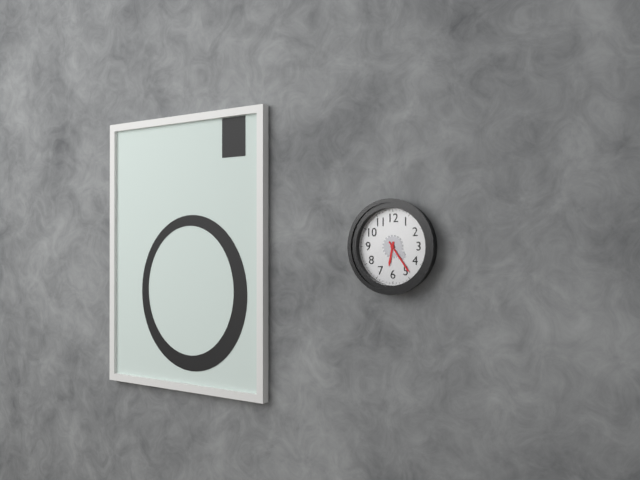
6:24
